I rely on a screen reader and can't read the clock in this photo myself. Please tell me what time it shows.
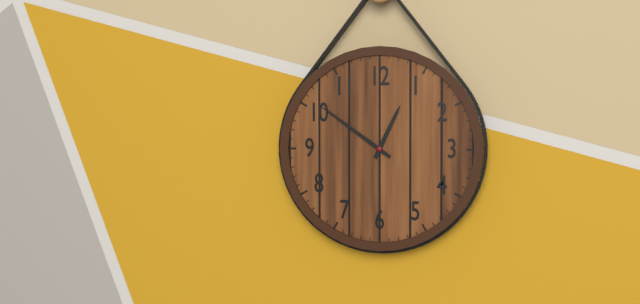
12:51
